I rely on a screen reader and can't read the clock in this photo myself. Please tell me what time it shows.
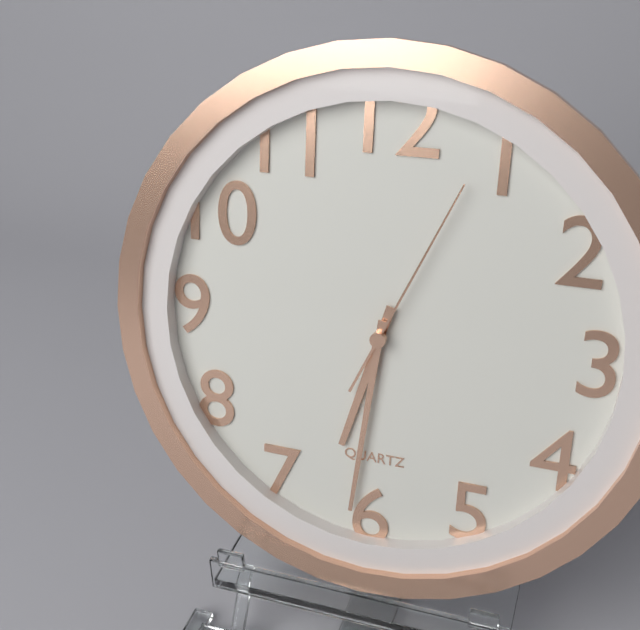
6:31:04
